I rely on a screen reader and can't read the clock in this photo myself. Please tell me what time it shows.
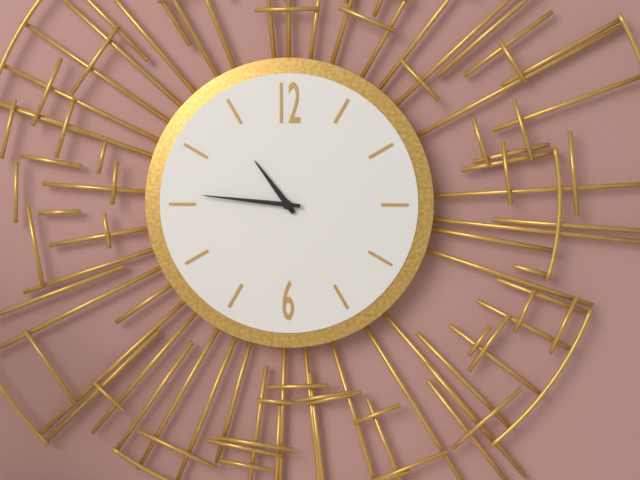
10:46
